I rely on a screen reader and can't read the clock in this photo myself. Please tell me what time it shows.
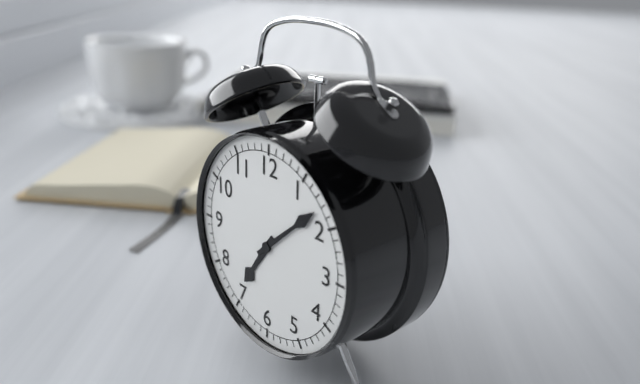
7:08
